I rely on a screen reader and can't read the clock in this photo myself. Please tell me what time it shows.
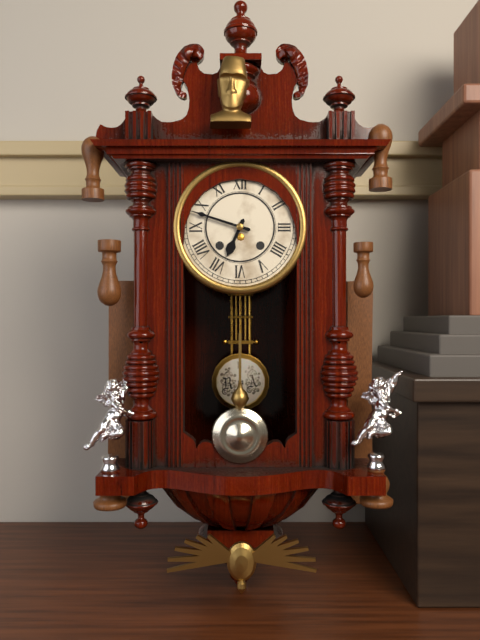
6:48
